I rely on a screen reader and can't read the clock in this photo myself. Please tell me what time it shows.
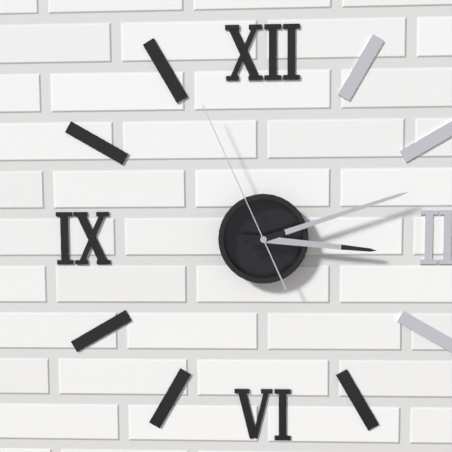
3:12:56
